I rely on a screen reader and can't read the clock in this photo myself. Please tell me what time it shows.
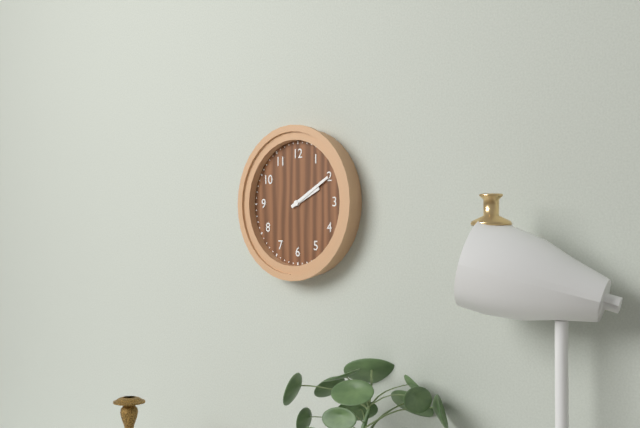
2:10
